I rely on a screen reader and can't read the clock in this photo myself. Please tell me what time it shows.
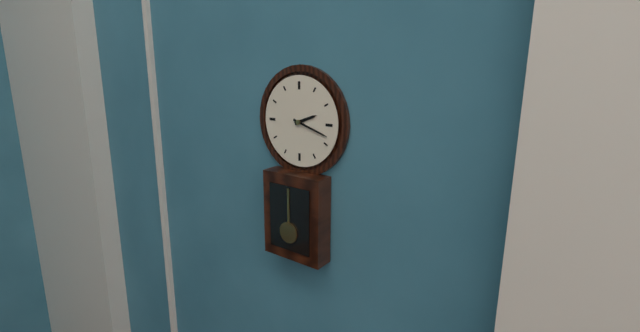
2:18
